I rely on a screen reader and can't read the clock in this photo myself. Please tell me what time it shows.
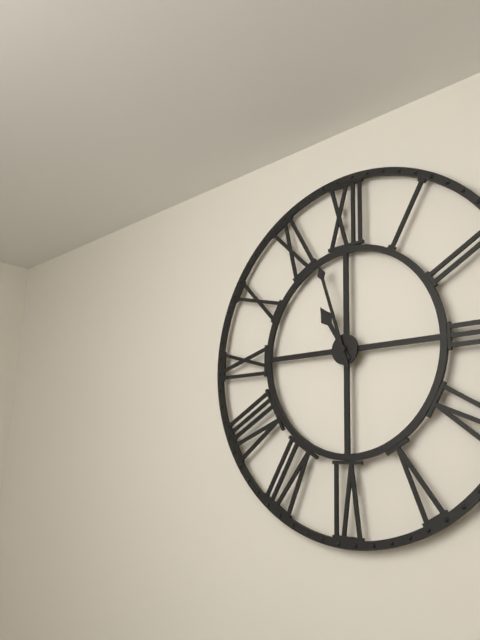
10:57
